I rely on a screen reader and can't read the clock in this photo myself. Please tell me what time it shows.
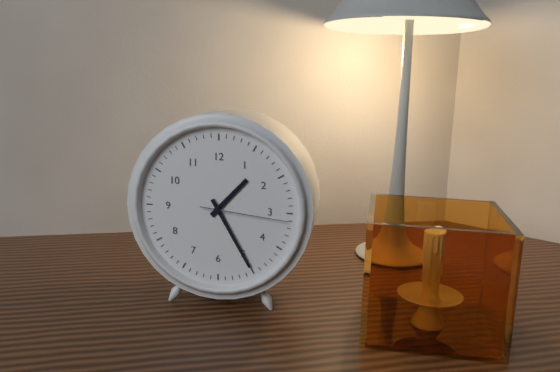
1:25:16
